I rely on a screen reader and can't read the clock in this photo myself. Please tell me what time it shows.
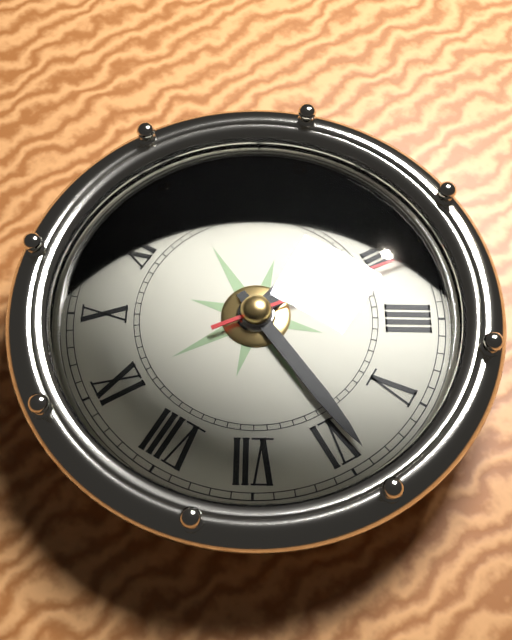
2:29:16
